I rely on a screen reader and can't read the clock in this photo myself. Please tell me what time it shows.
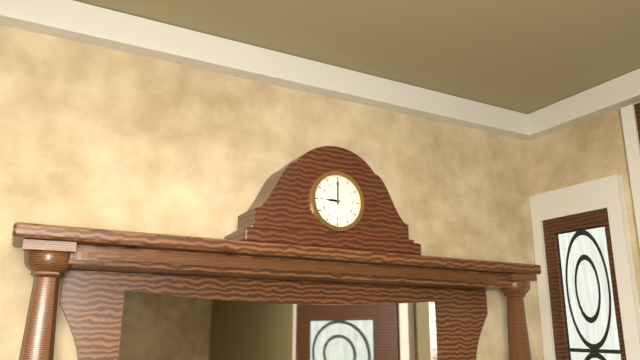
9:00
